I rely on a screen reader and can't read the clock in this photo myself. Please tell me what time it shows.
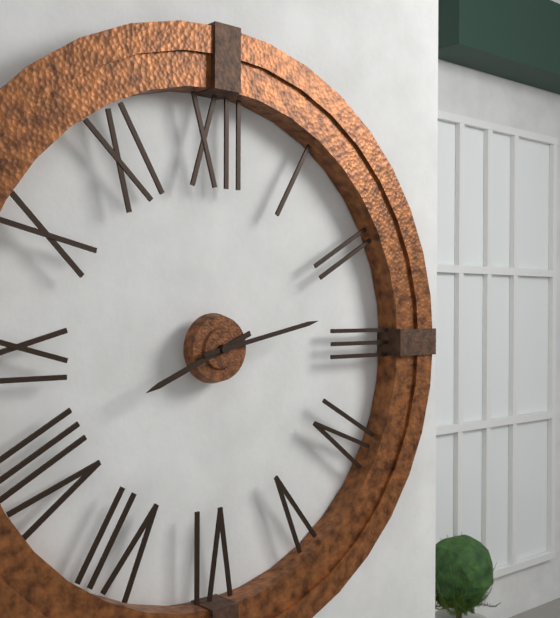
8:13
